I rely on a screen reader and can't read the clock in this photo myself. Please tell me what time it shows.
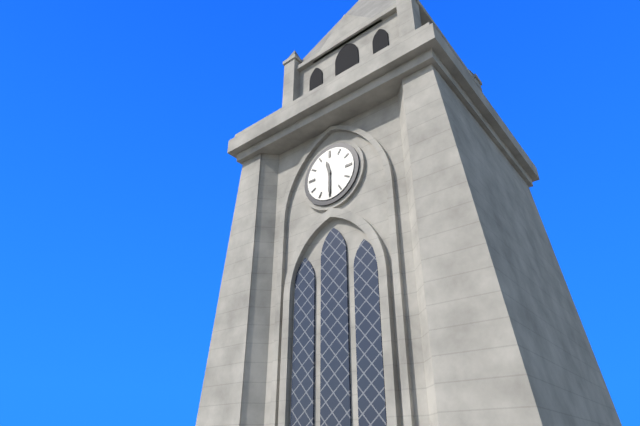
11:30
